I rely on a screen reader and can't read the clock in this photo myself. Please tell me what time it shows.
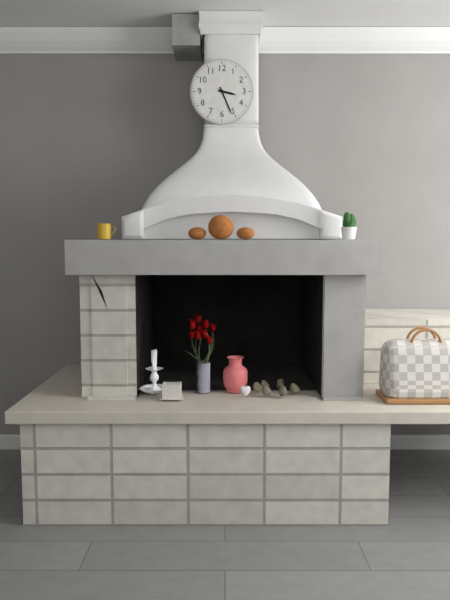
3:26
